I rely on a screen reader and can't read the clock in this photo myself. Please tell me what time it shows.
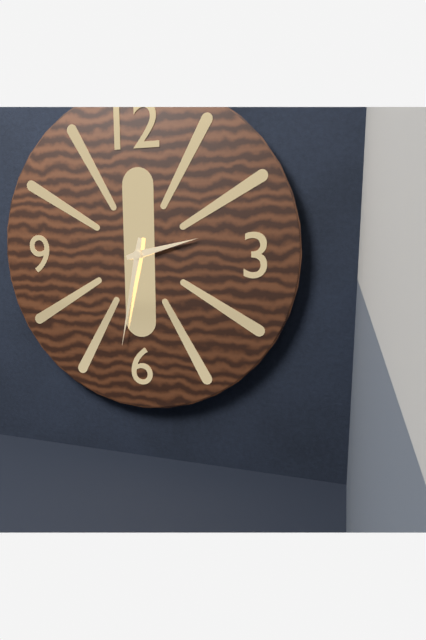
2:32
